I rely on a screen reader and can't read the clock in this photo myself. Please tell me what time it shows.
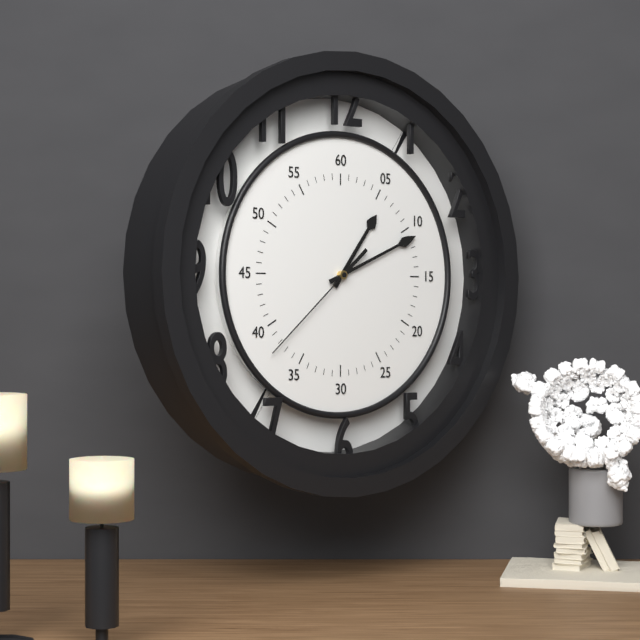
1:11:38
